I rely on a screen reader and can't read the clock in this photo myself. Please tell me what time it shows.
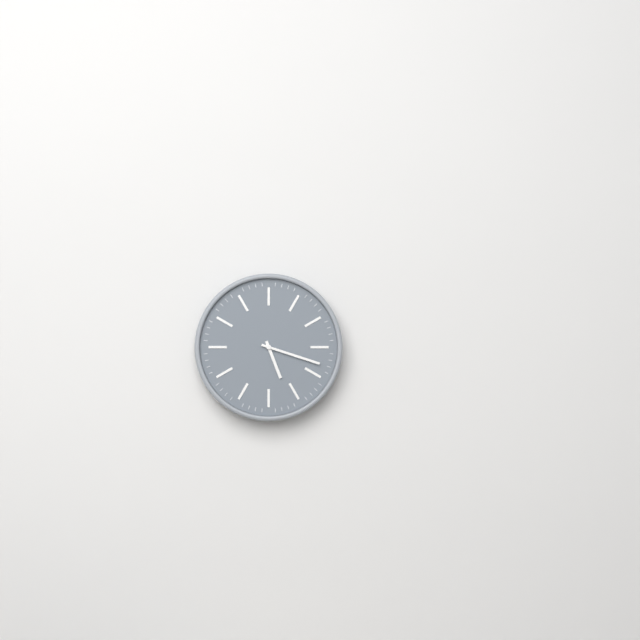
5:18
